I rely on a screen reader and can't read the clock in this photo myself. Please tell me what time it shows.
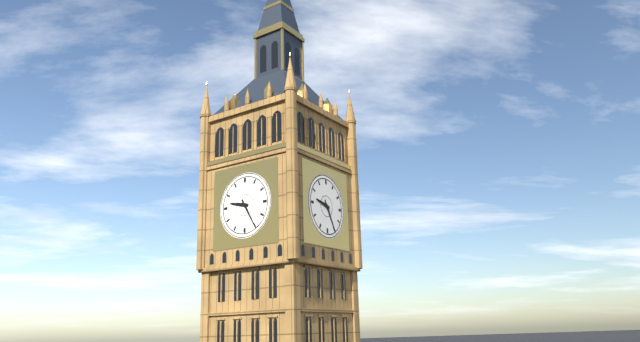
9:25
